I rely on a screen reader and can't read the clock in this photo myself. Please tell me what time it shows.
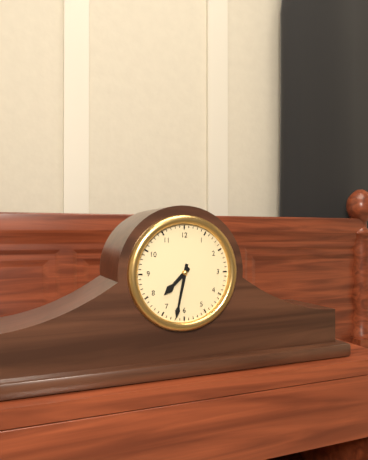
7:32
